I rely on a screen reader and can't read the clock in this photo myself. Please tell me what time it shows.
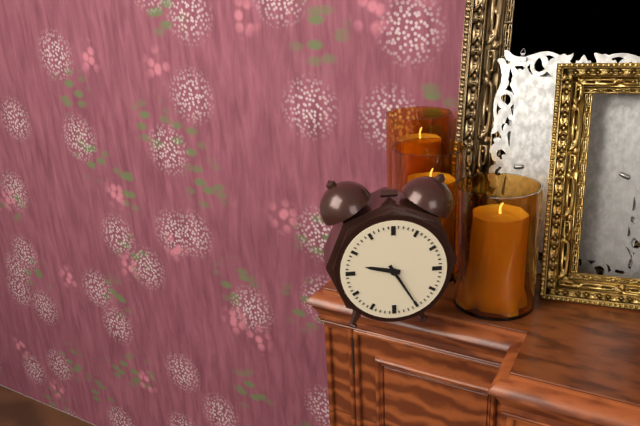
9:25
